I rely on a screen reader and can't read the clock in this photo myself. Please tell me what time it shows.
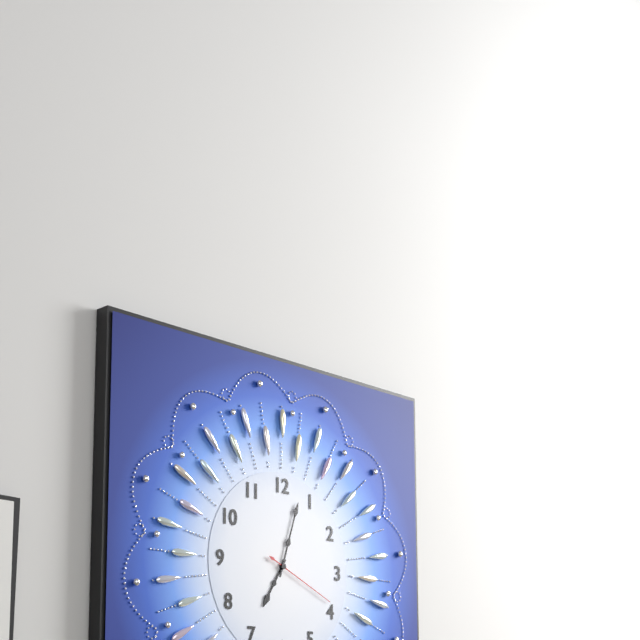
7:03:19
